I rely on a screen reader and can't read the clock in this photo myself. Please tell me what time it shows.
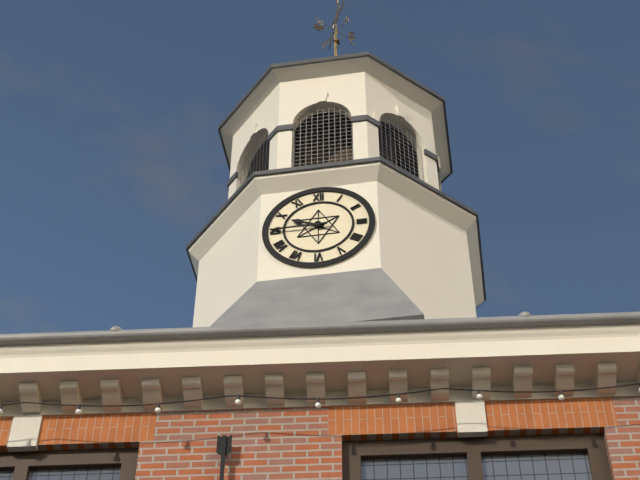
9:45
